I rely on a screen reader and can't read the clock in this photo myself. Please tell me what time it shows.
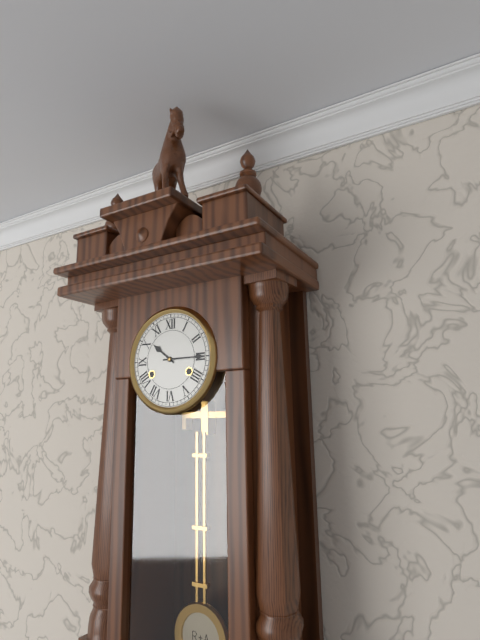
10:15
